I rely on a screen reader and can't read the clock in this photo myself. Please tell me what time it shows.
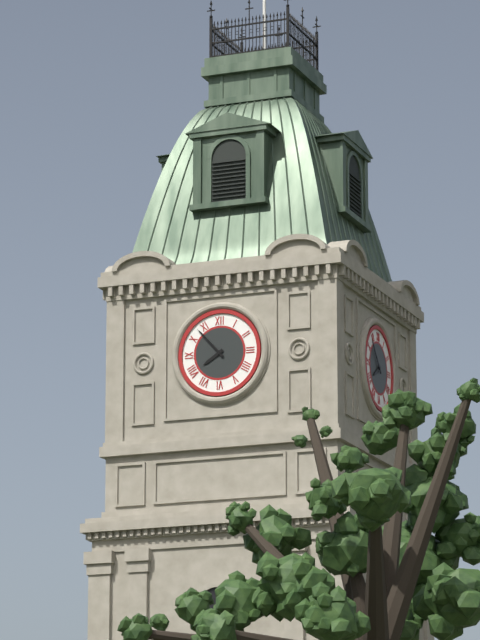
7:53
